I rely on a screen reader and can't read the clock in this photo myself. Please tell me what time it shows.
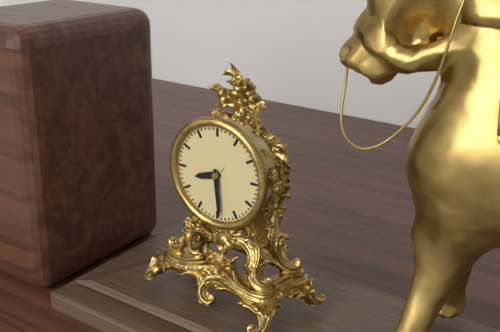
8:29
